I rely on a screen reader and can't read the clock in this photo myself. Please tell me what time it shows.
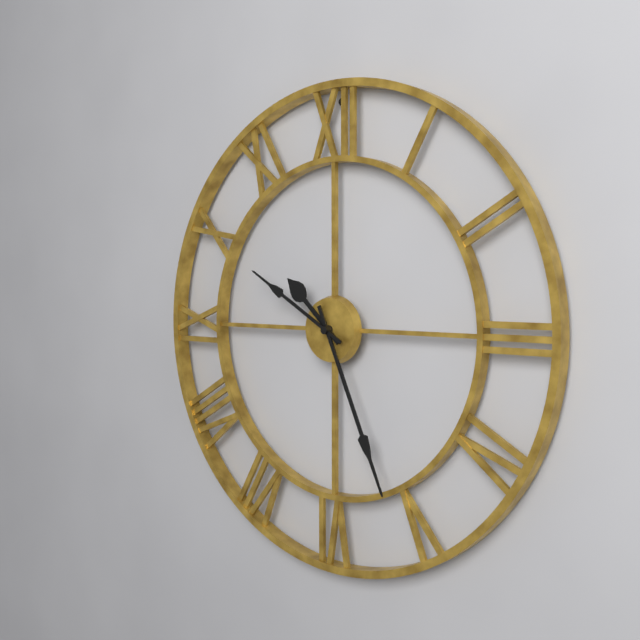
10:26:50
